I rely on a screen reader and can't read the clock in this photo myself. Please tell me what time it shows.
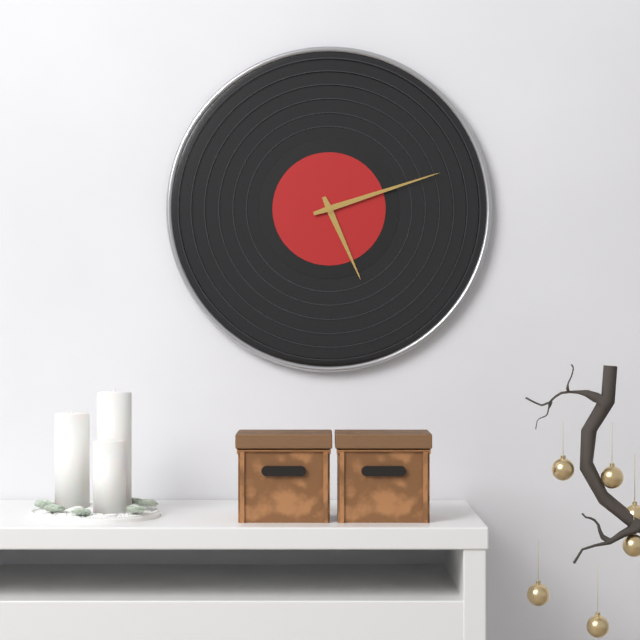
5:12
